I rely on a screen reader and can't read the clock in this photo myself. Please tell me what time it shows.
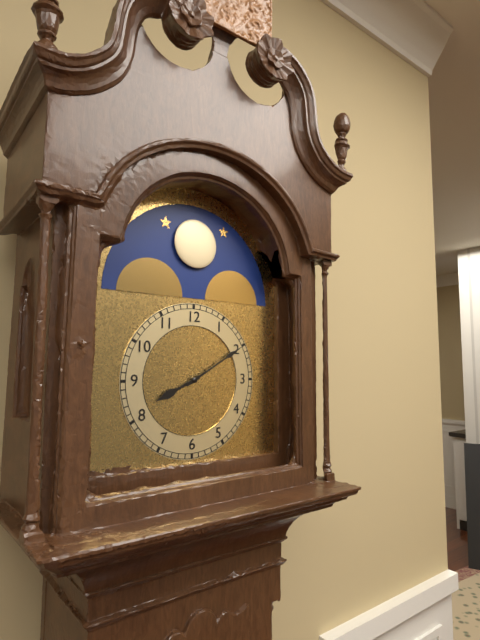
8:10
